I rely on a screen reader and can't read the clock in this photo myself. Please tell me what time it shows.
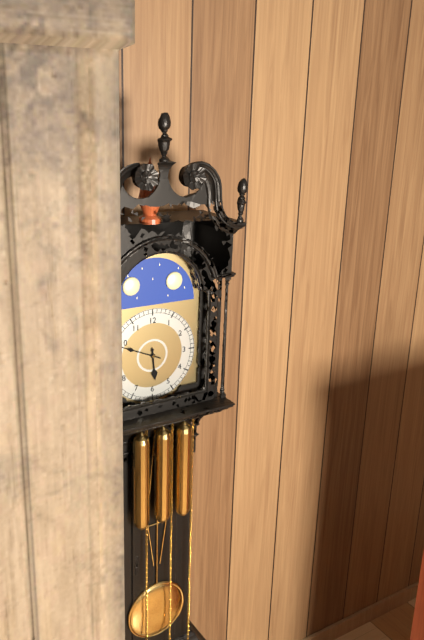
5:49
